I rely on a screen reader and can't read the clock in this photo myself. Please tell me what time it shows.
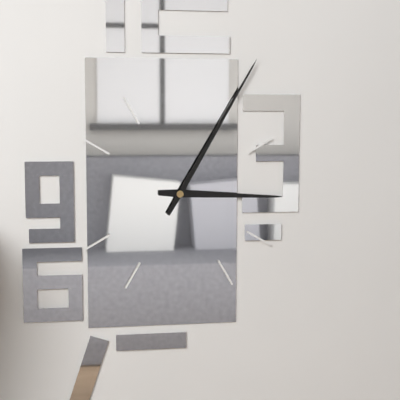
3:05
